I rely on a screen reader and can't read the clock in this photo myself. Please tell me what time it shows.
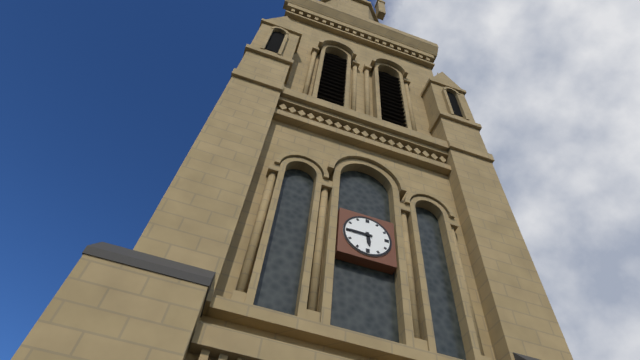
5:45
